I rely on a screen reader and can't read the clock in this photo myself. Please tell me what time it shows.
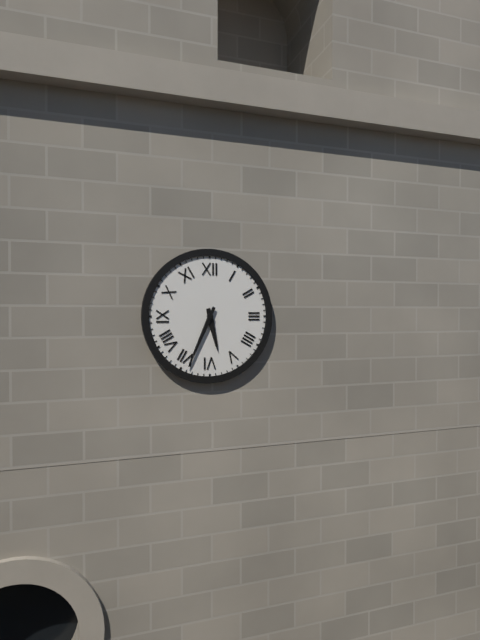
5:34
